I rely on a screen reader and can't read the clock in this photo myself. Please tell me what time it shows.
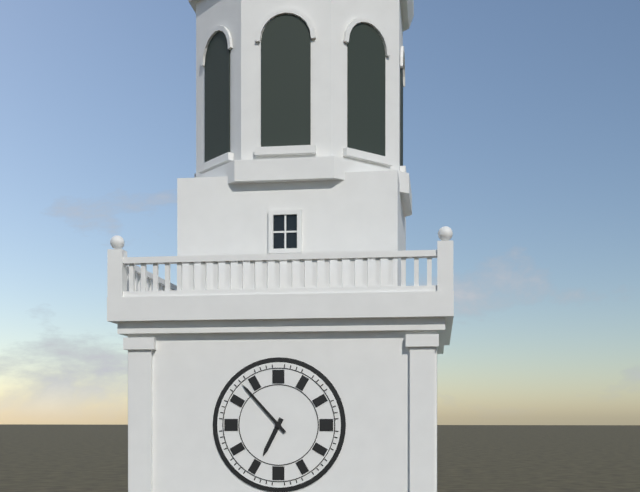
6:53
